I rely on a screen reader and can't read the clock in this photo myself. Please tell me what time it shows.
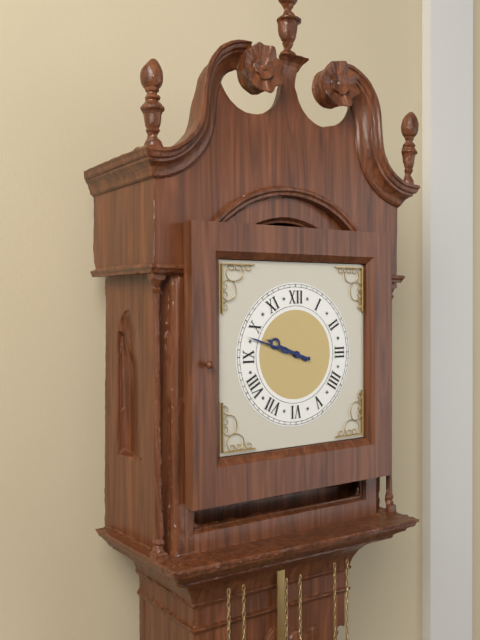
9:48
